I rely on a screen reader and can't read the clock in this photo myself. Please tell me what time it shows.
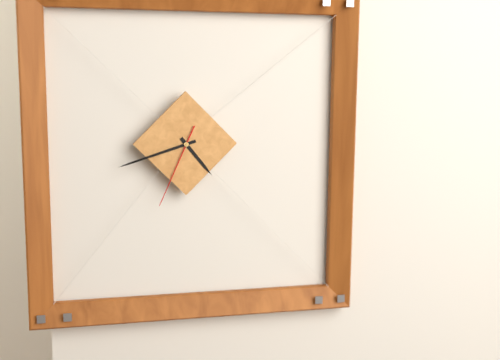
4:42:34
